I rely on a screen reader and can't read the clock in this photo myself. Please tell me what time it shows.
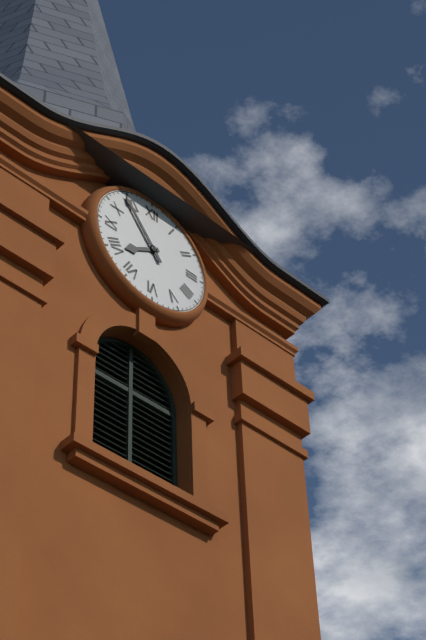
7:54
